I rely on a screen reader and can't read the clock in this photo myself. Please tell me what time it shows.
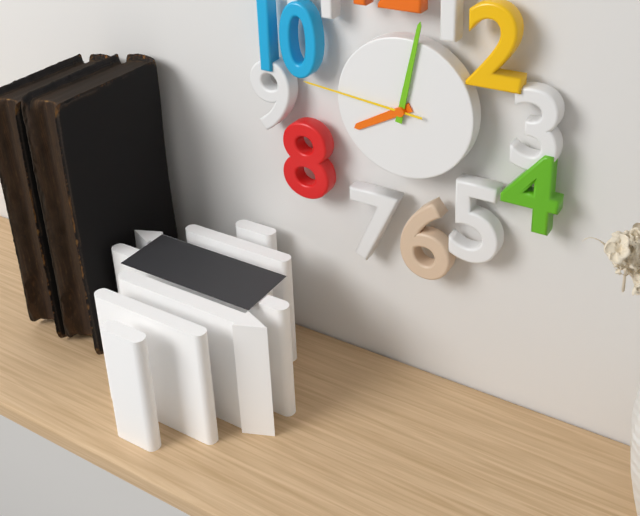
8:02:46
